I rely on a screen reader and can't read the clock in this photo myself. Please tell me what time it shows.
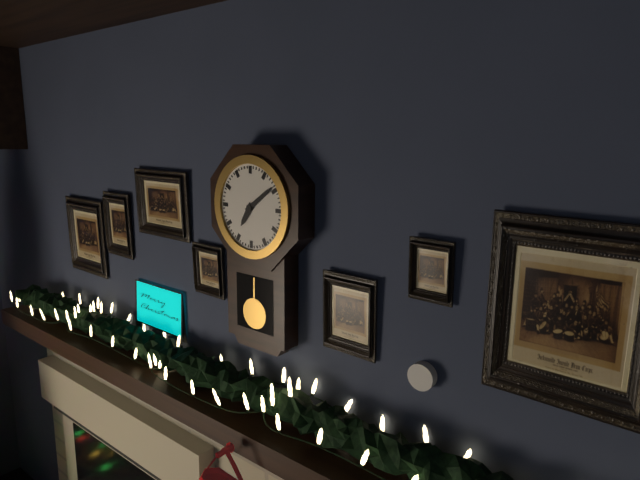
7:09
